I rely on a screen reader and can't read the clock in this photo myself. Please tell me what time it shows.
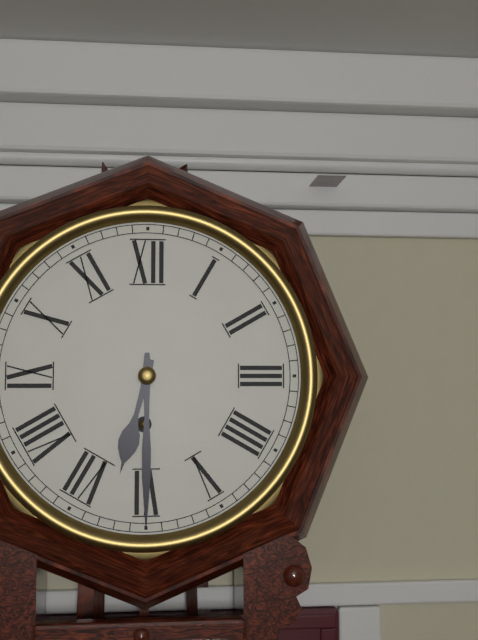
6:30
